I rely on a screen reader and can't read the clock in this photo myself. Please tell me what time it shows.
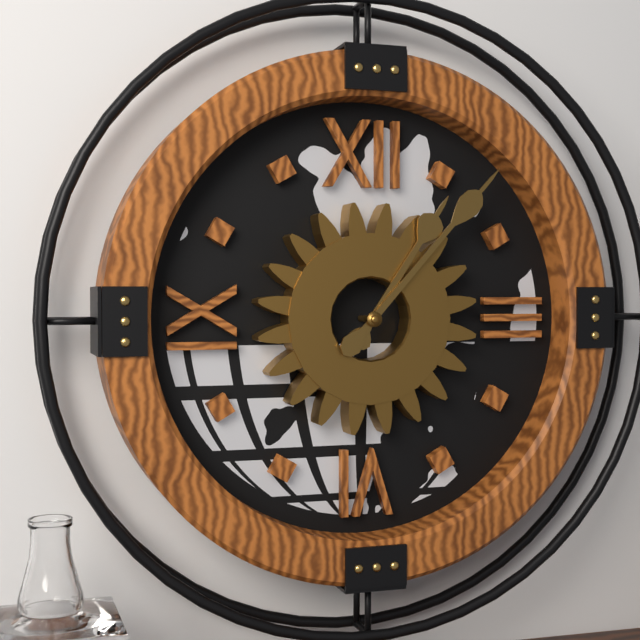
1:07
